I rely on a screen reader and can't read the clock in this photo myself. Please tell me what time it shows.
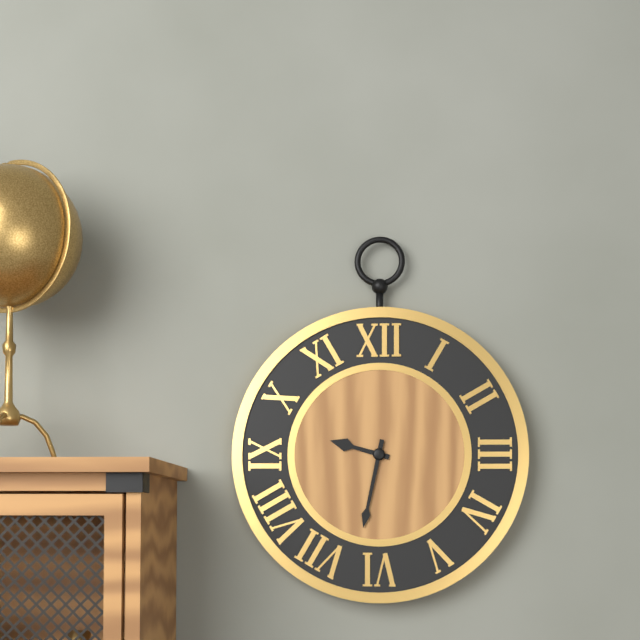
9:32
